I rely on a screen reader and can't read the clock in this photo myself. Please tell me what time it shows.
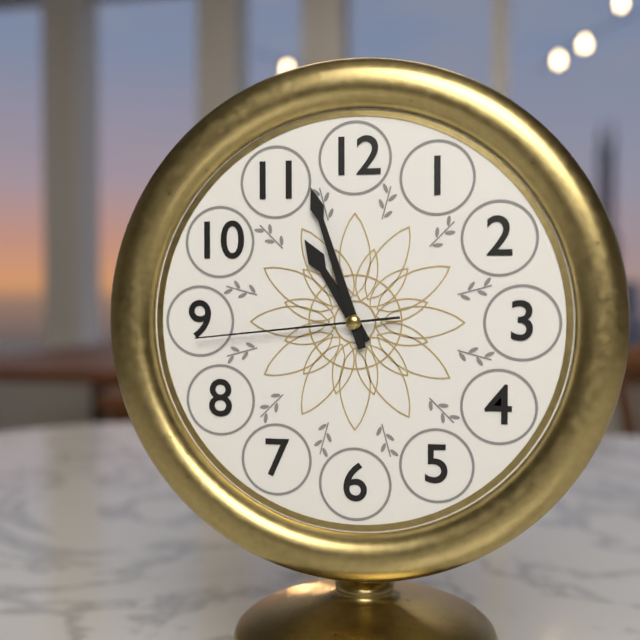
10:57:44
